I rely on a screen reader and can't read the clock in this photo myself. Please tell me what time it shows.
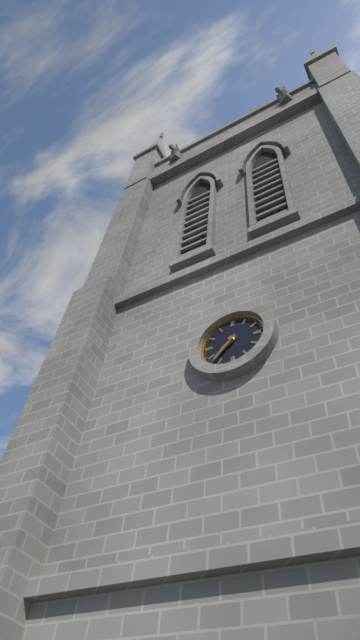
7:37
